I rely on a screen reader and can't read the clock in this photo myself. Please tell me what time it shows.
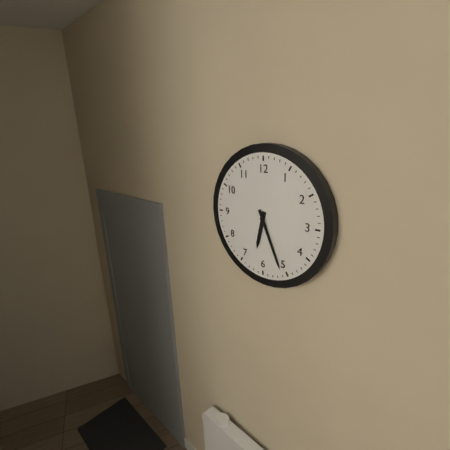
6:26
